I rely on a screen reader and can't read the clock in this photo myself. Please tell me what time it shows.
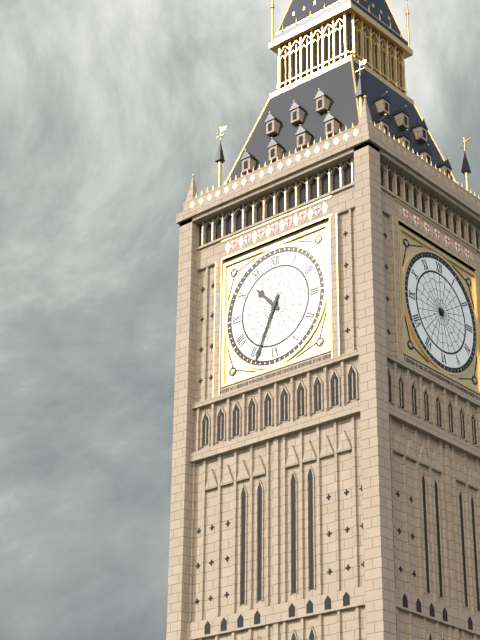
10:34
